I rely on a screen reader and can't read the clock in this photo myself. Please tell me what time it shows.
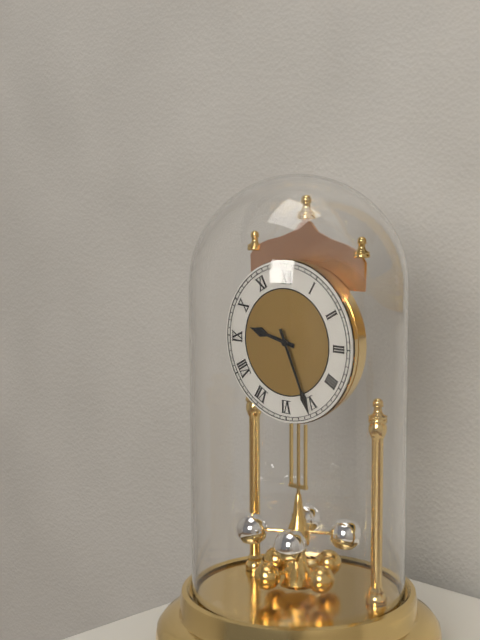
9:26
